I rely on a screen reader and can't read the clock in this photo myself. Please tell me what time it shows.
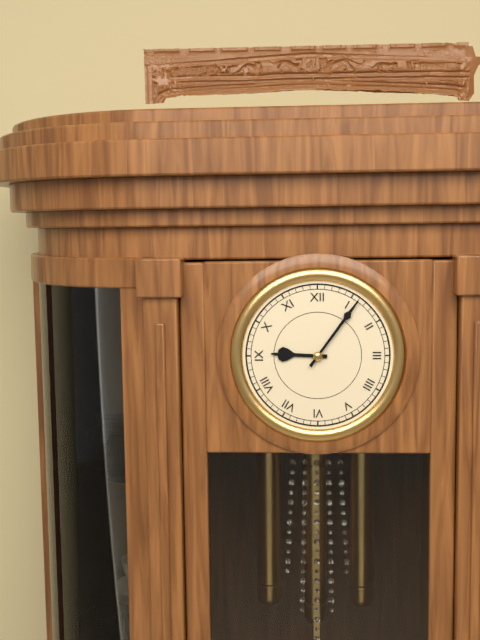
9:06
